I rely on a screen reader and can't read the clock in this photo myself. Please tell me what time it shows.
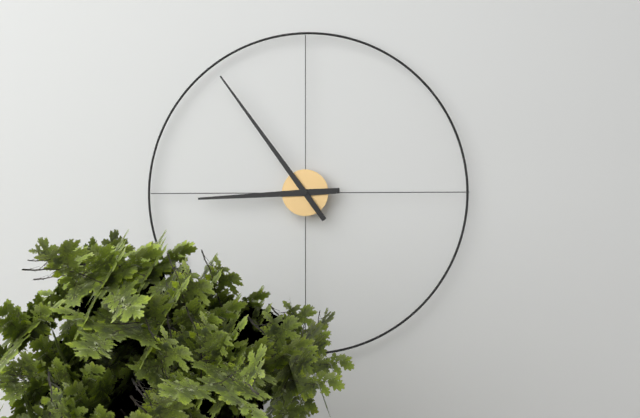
8:54
